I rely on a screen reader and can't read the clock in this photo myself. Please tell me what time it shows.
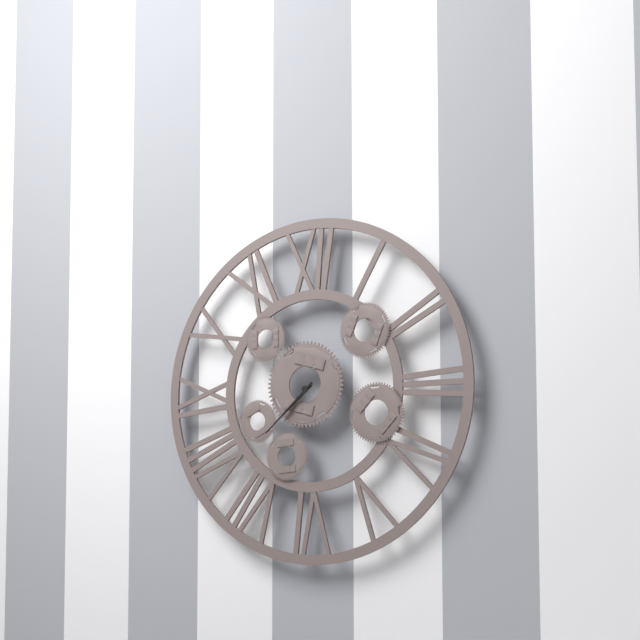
7:38
